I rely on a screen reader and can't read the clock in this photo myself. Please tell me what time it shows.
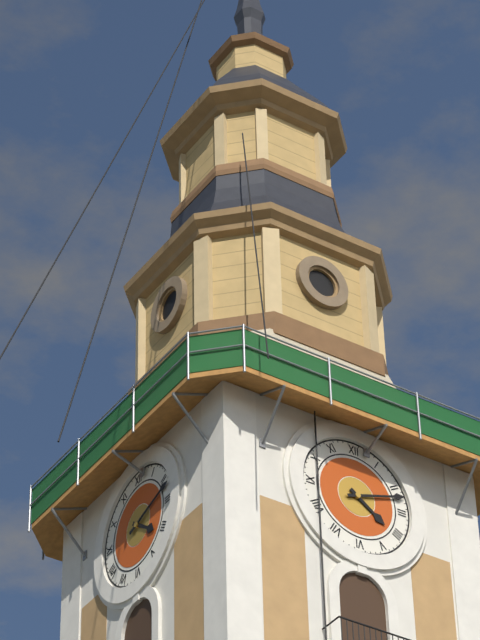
4:12
